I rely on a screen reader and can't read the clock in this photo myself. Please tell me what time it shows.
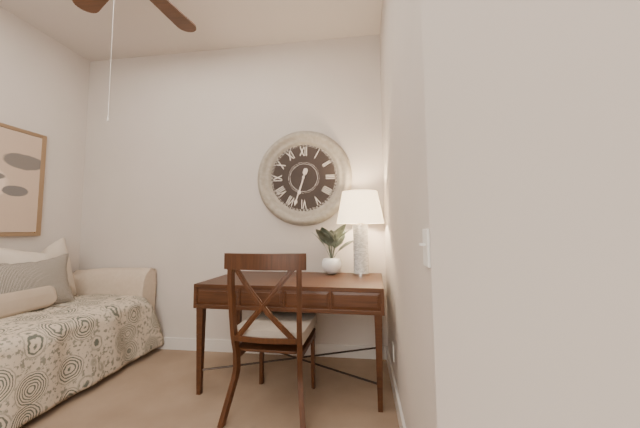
6:33
